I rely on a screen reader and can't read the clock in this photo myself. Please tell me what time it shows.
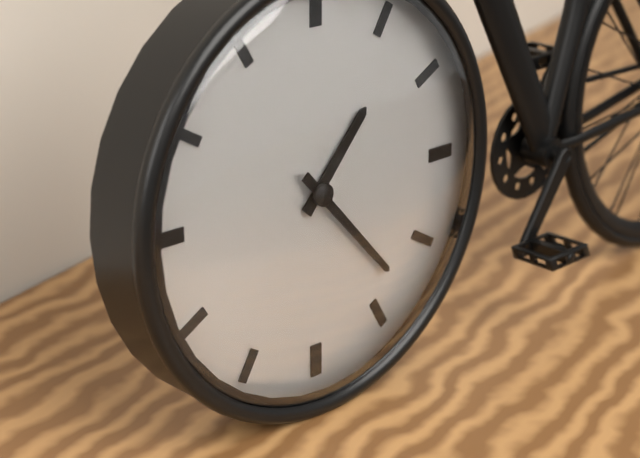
1:23
